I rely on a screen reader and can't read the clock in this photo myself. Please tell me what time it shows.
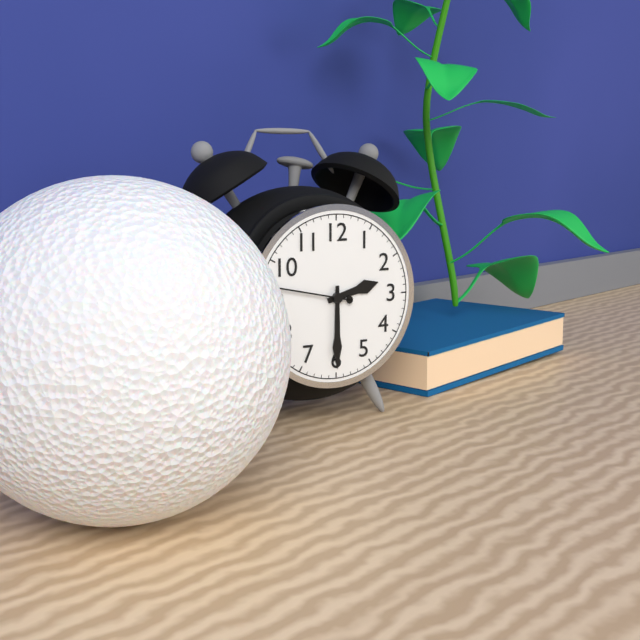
2:30:47
